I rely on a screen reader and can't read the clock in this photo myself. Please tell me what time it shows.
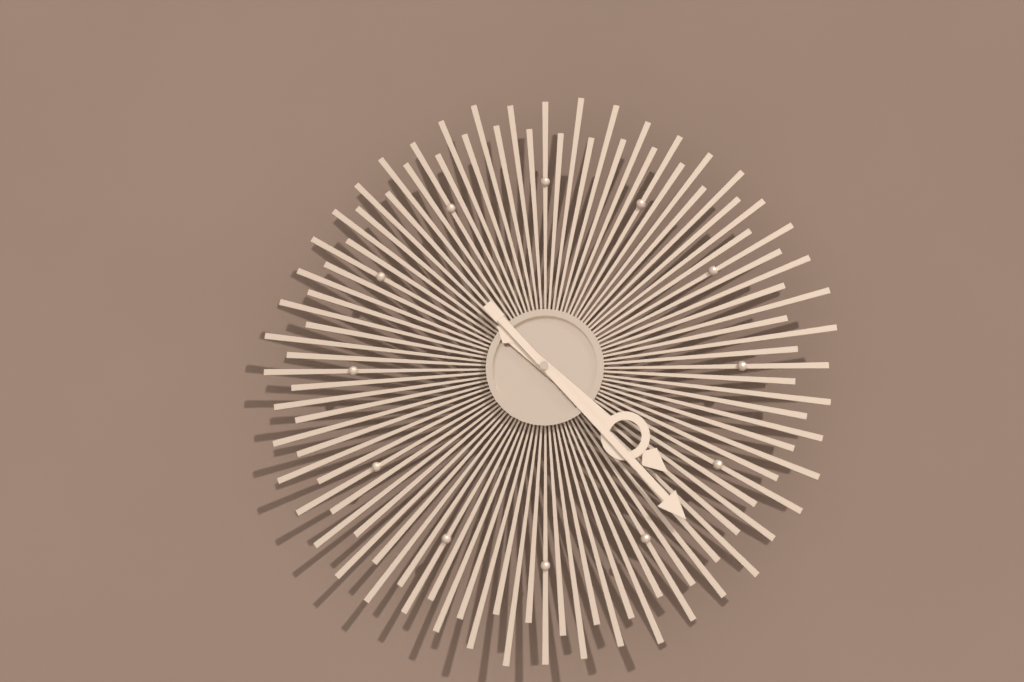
4:23
